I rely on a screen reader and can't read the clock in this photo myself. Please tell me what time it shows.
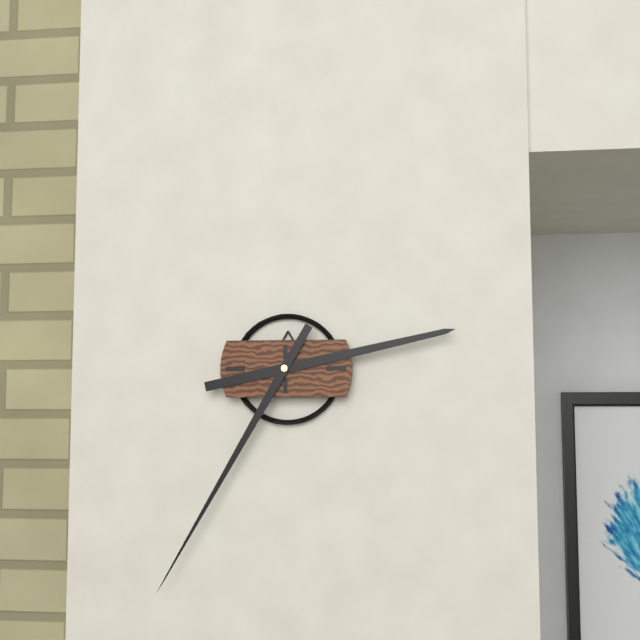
2:35
